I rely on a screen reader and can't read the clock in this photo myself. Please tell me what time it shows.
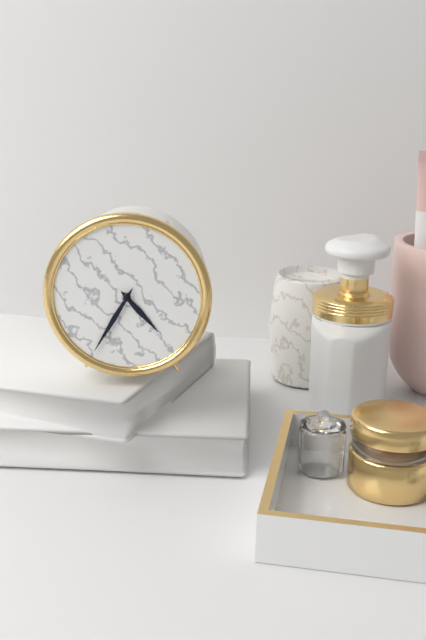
4:35
